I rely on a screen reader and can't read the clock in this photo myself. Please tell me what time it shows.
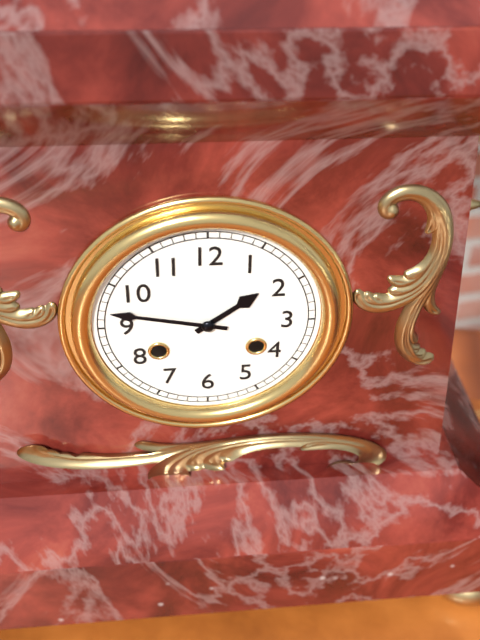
1:47
